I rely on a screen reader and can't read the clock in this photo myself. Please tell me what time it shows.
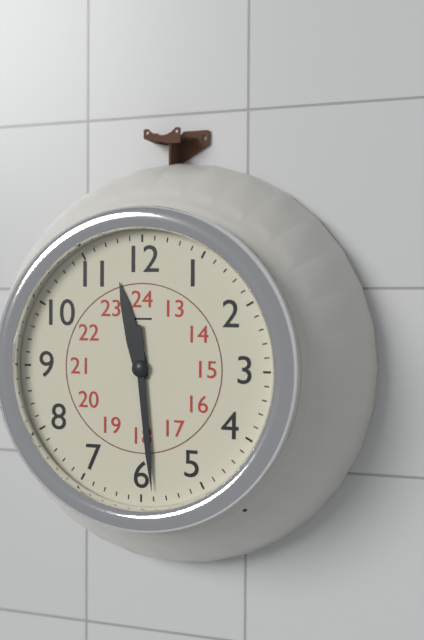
11:29
